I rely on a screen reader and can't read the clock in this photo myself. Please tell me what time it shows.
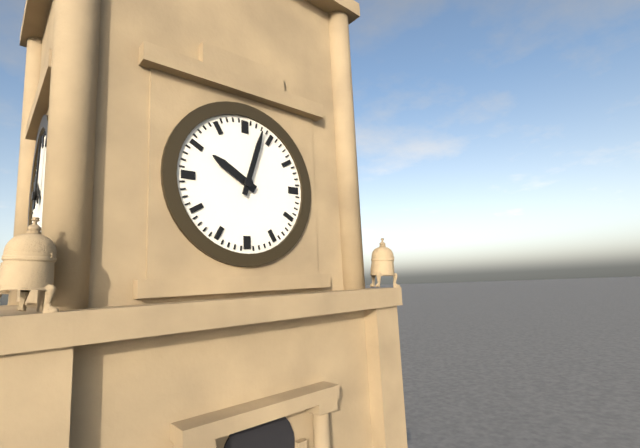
10:03
